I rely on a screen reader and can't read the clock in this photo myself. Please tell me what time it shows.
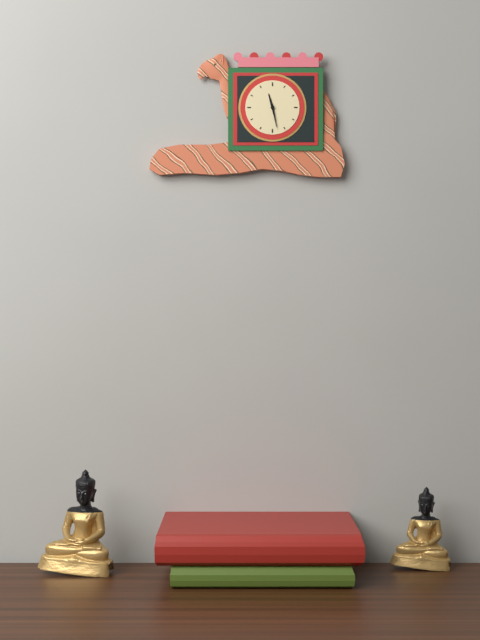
11:28
